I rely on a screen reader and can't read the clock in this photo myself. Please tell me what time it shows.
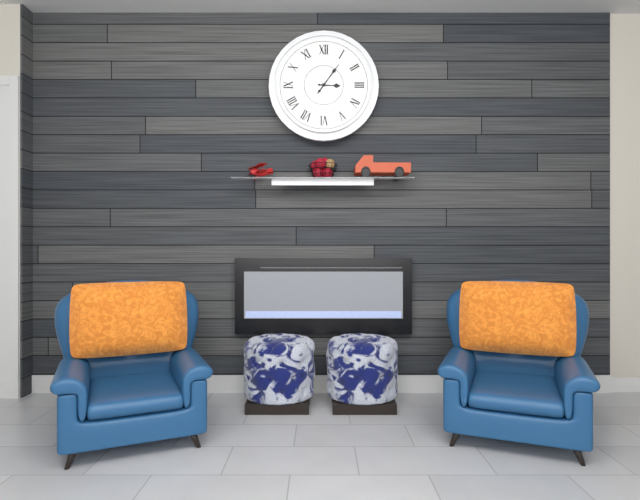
3:06
